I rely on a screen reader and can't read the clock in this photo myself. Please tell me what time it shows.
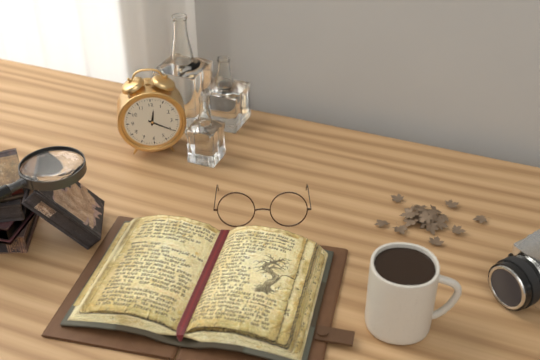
12:20
